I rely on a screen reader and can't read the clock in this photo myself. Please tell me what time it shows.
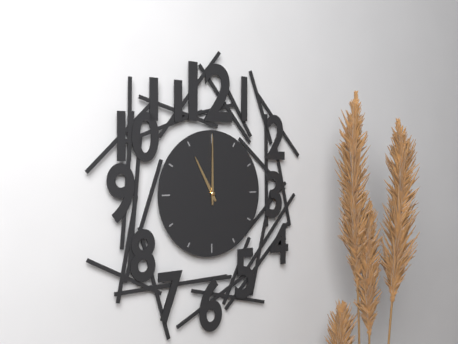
11:00
